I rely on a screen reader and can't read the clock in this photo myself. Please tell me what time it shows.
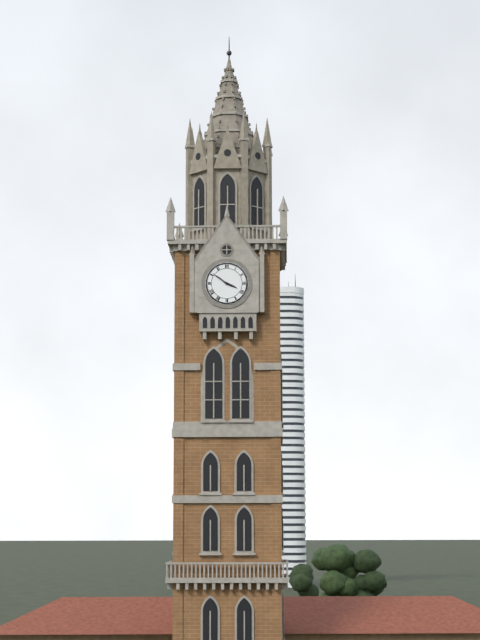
3:51
